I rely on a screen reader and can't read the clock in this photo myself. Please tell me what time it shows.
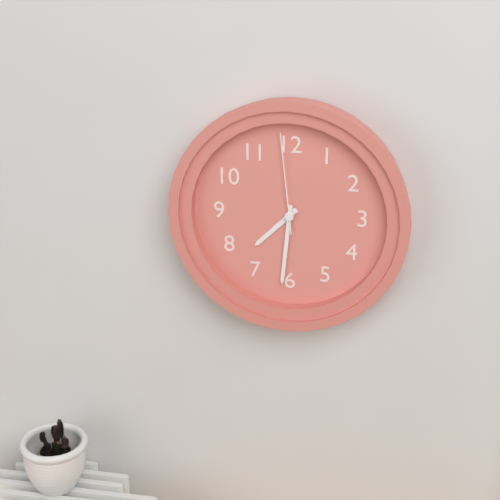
7:31:59
